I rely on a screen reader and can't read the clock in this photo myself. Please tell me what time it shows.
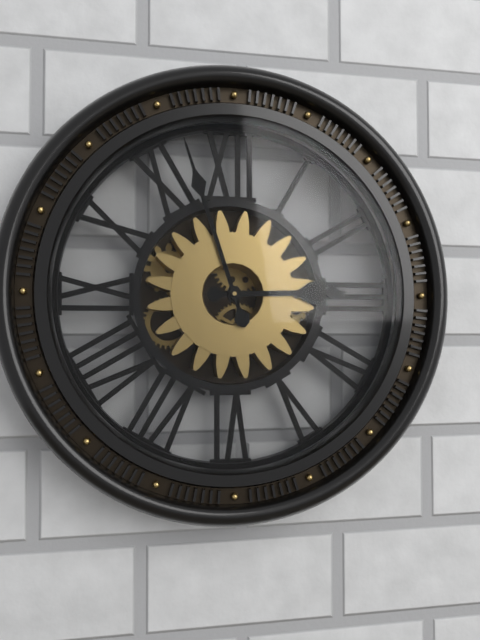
2:57
